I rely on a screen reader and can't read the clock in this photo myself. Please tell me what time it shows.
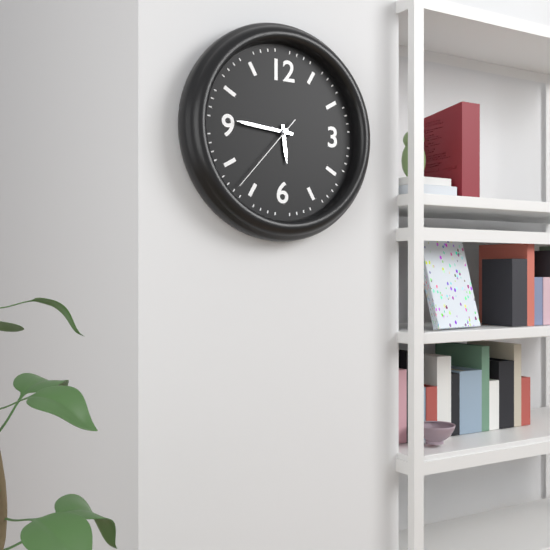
5:46:37
